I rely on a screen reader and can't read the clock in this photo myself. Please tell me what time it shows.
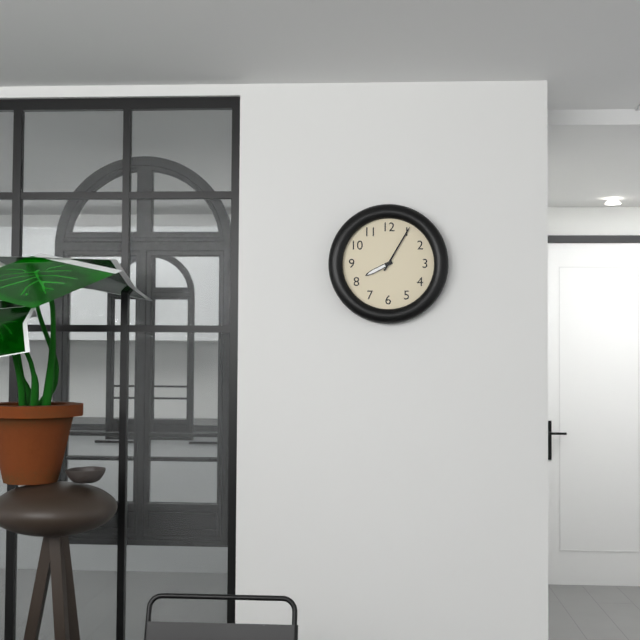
8:05
